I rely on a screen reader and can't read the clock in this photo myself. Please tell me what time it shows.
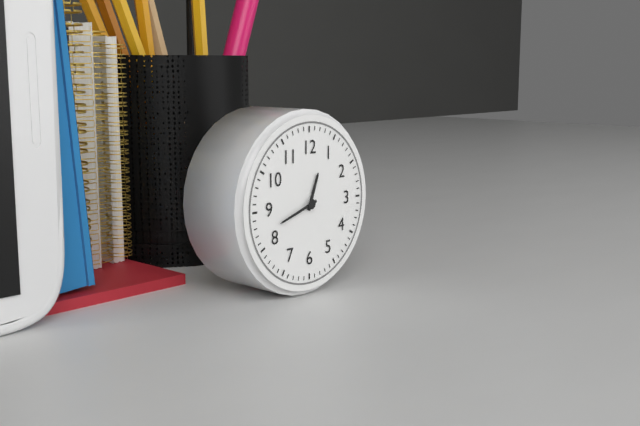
12:42
